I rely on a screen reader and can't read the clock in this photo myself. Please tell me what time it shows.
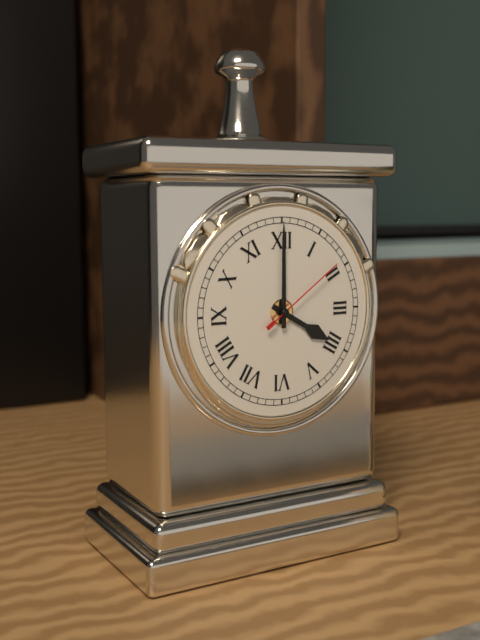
4:00:09
